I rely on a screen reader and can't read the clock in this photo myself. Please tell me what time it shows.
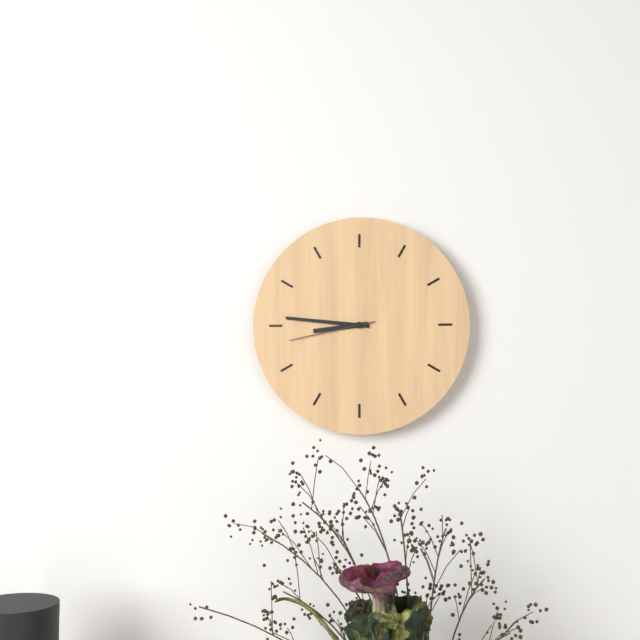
8:46:43
